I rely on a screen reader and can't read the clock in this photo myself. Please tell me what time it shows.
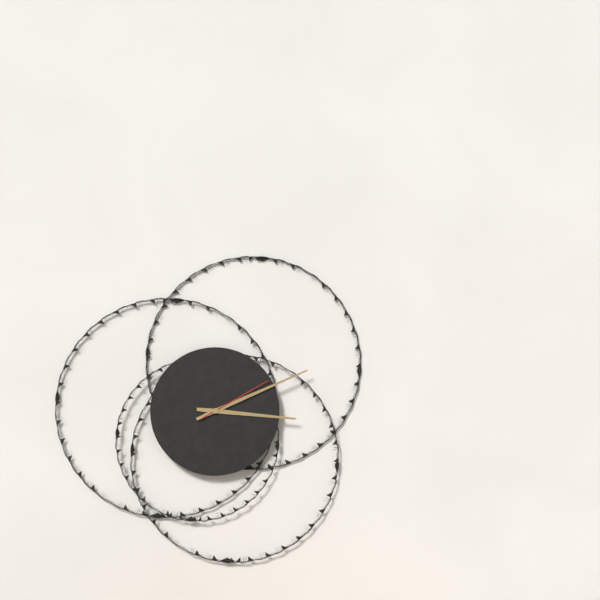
3:11:10
